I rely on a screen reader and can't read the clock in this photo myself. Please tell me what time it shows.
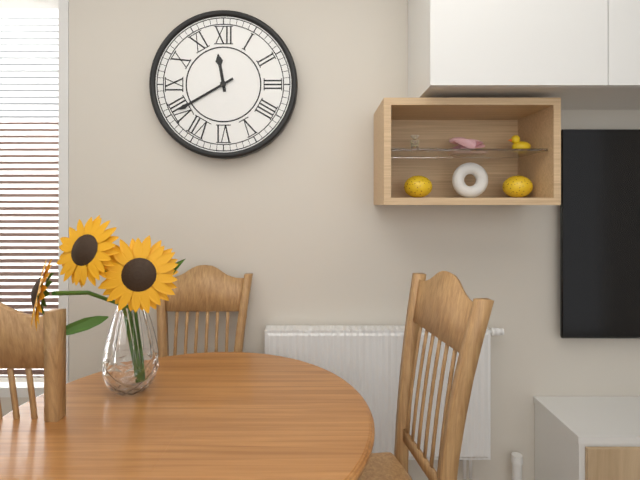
11:40
